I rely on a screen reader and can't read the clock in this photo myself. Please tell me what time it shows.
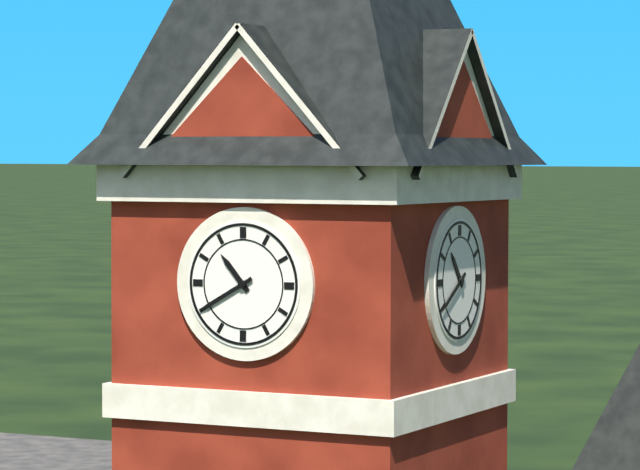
10:40
